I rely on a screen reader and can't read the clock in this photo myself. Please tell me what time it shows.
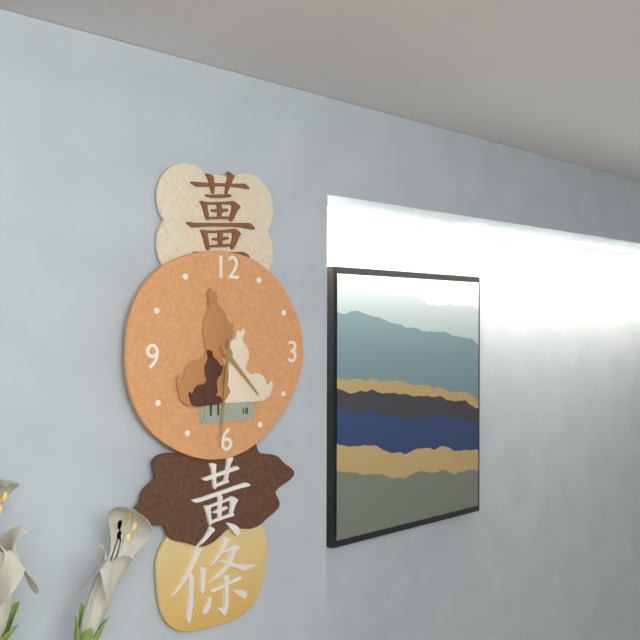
4:31
